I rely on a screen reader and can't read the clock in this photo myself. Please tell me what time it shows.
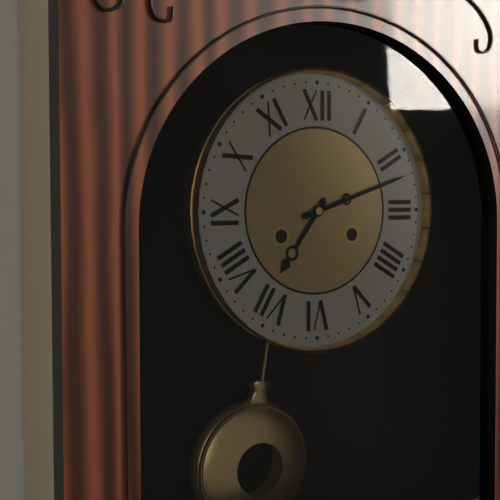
7:12
